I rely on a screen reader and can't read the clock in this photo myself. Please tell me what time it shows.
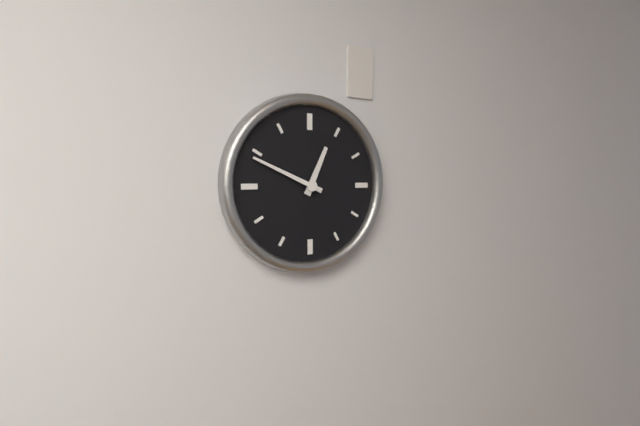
12:49
